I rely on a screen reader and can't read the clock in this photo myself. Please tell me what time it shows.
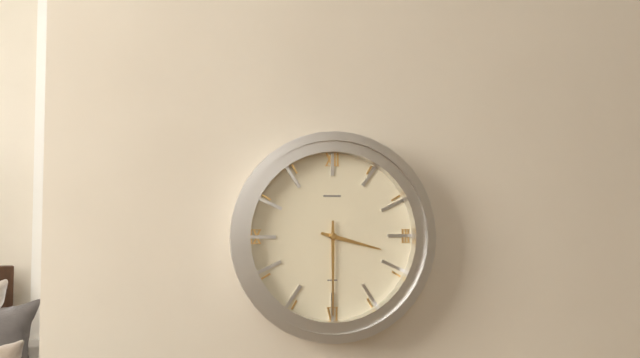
3:30
